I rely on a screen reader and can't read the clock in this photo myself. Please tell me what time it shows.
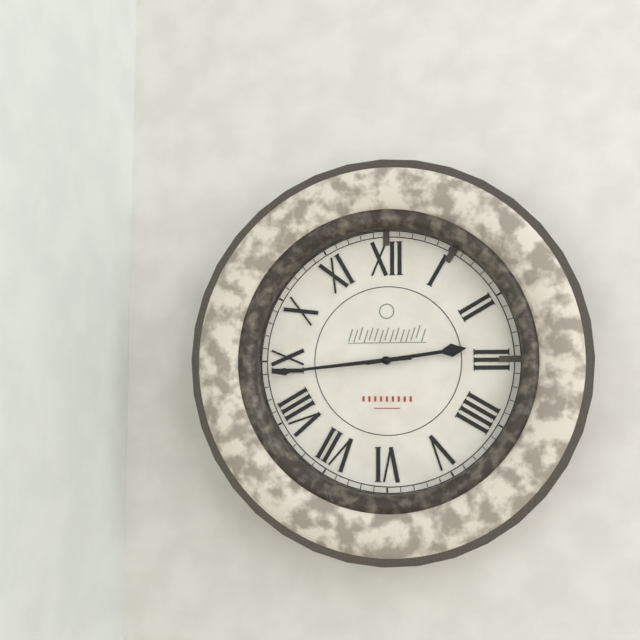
2:44
